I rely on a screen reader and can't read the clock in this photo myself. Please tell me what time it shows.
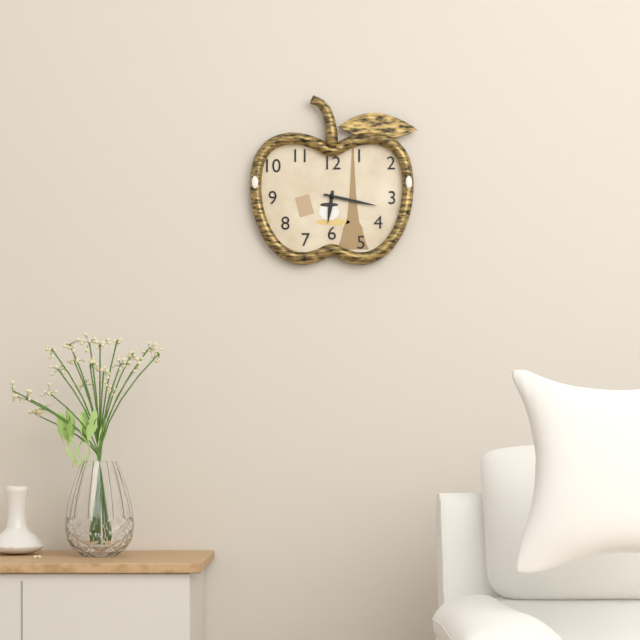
6:17
